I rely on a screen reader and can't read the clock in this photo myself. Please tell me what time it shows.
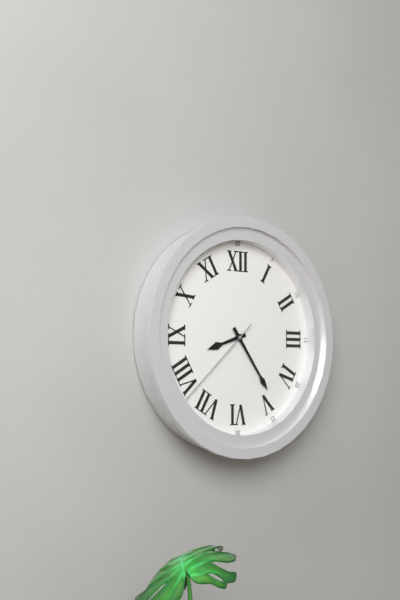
8:24:38
